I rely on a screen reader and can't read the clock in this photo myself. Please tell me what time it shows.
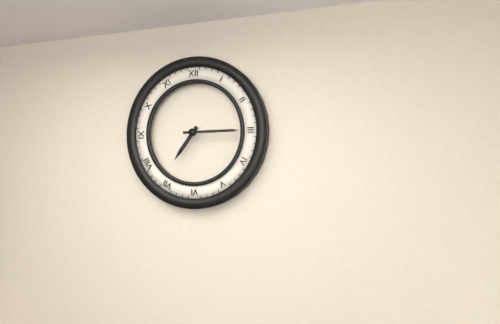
7:15
